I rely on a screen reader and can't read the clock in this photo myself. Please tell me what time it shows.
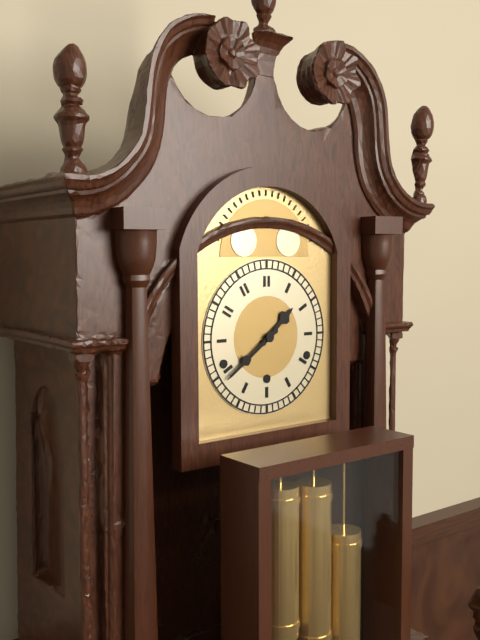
1:39
